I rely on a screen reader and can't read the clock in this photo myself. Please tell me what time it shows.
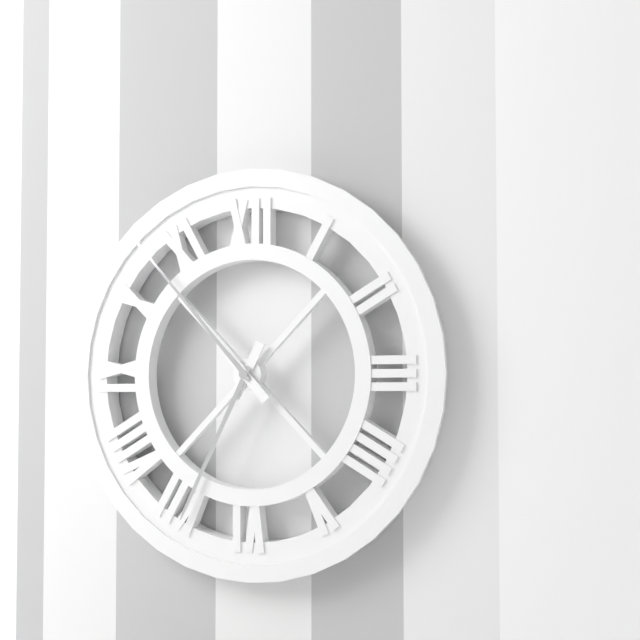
6:53
